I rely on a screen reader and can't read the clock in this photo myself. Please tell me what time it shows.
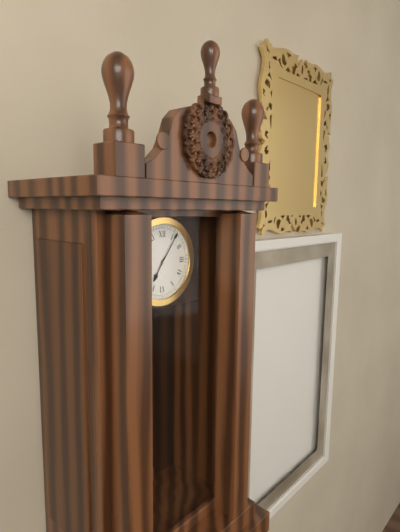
7:06
